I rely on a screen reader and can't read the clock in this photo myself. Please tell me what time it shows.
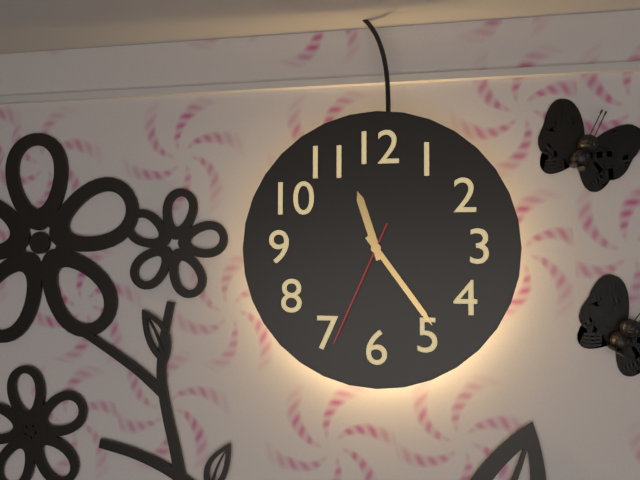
11:24:34
